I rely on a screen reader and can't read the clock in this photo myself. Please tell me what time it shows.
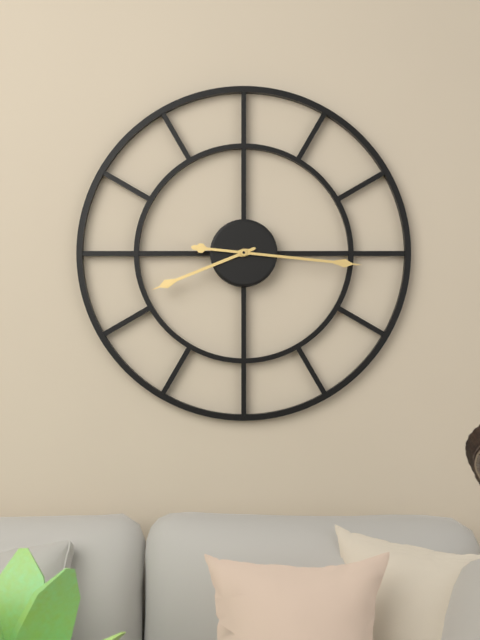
8:16
